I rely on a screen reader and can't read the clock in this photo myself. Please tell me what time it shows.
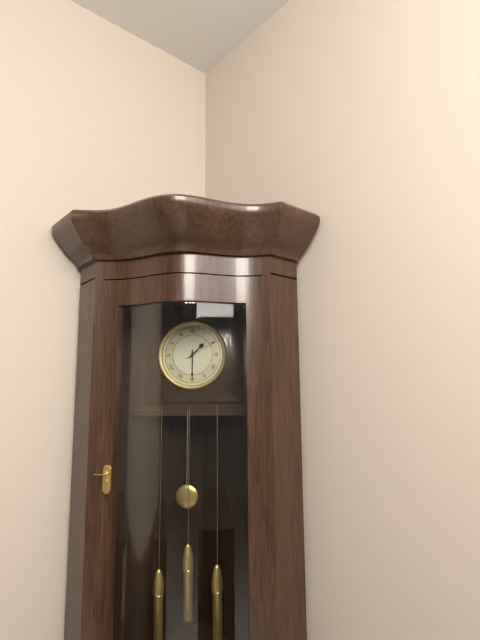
1:30
